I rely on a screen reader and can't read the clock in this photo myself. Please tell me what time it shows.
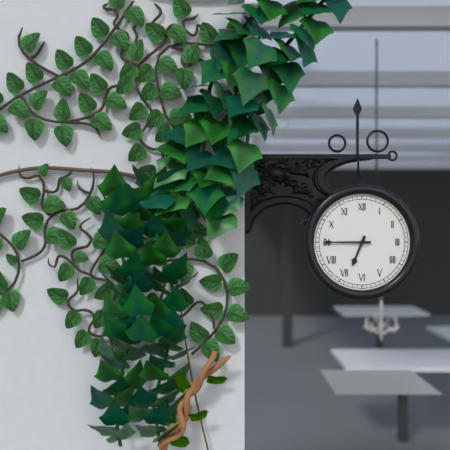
6:45
